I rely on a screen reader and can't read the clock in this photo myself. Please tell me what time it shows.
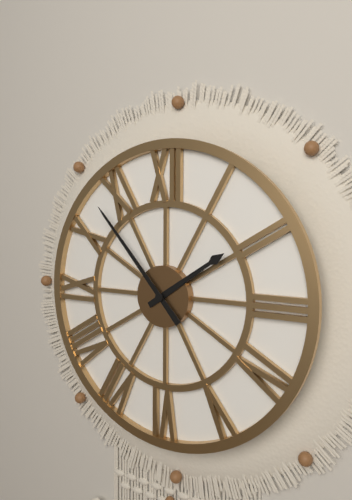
1:53
